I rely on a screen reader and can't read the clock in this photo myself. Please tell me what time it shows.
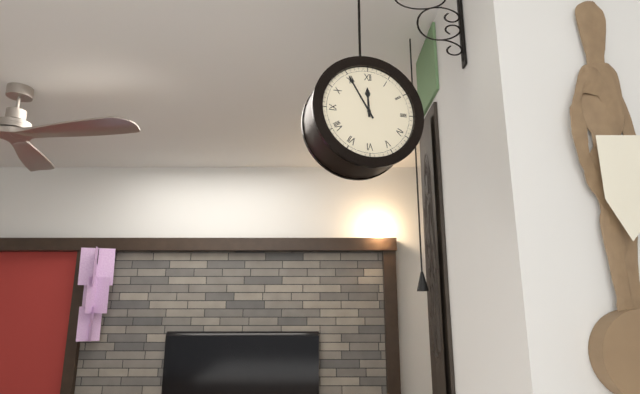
11:55
